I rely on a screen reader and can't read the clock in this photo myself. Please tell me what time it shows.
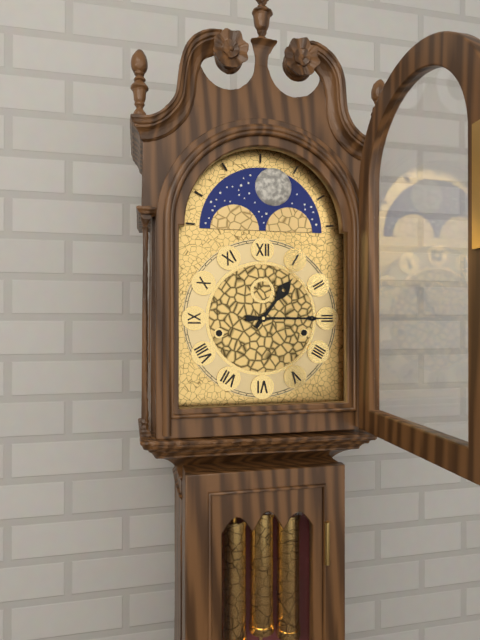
1:15
